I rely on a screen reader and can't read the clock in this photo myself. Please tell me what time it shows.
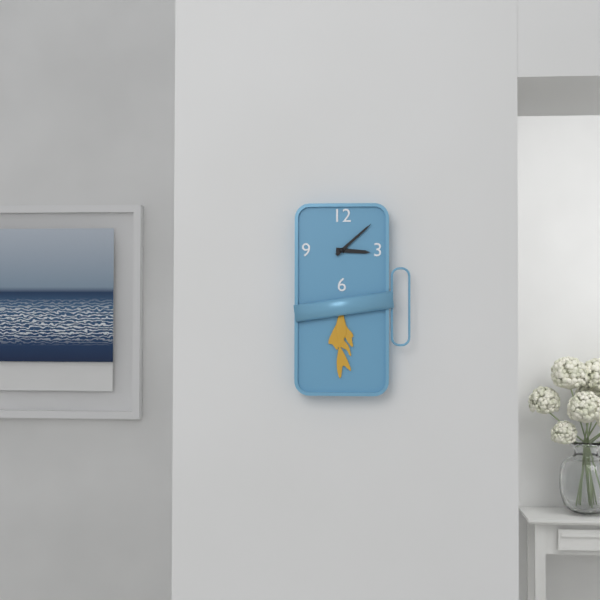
3:08
